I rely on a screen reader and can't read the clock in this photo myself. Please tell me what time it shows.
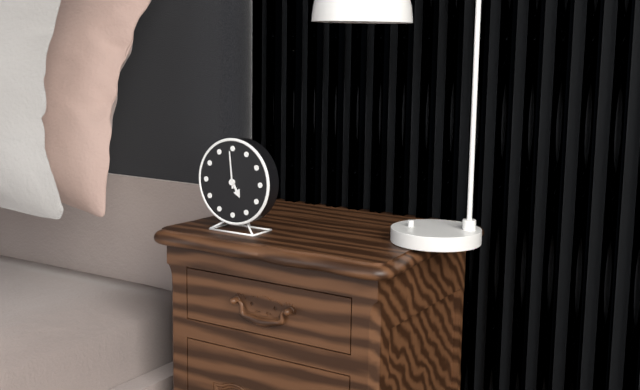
4:59
